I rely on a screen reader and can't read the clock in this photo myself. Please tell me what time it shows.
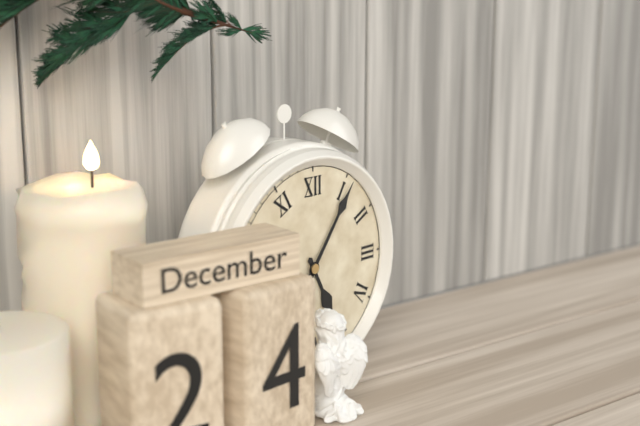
5:06
